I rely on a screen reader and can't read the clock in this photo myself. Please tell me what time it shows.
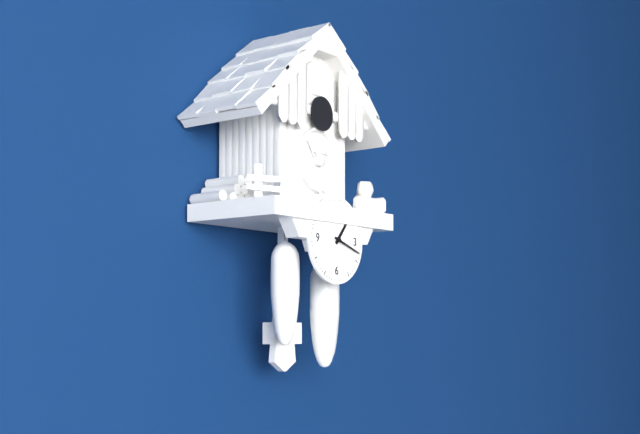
1:18
